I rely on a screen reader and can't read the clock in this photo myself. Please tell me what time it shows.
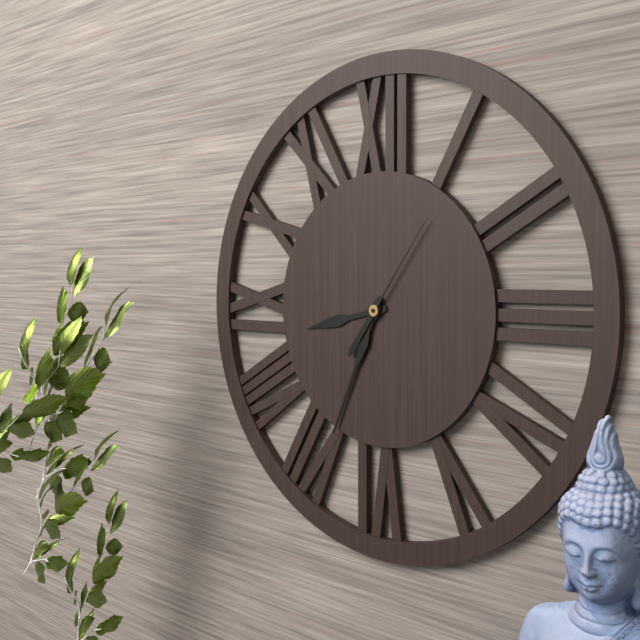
8:34:06
